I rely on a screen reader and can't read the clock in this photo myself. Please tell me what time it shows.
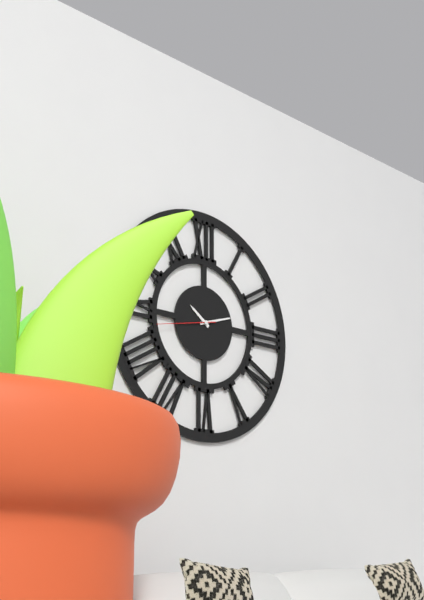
10:12:43
